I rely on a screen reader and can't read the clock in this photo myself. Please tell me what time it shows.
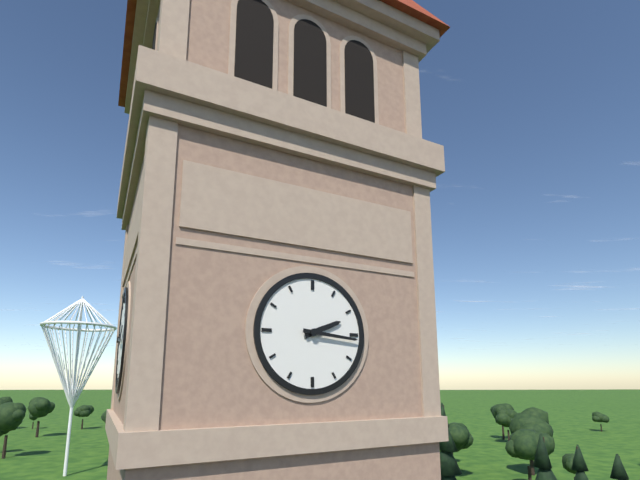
2:16
